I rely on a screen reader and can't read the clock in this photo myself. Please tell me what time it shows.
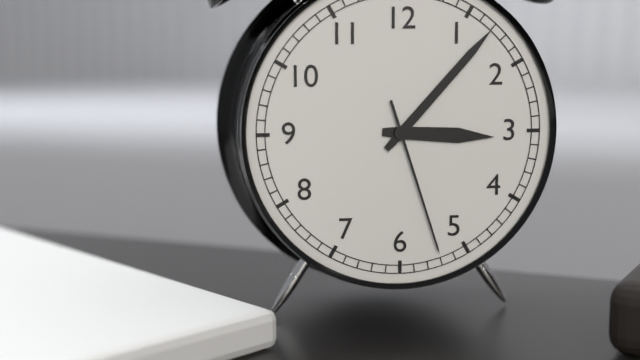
3:07:27
